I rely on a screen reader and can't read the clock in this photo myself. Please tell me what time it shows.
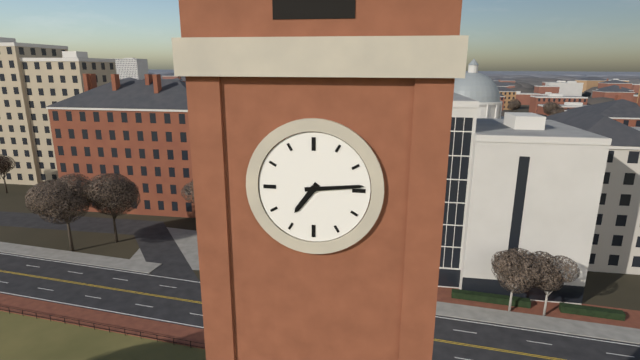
7:14
